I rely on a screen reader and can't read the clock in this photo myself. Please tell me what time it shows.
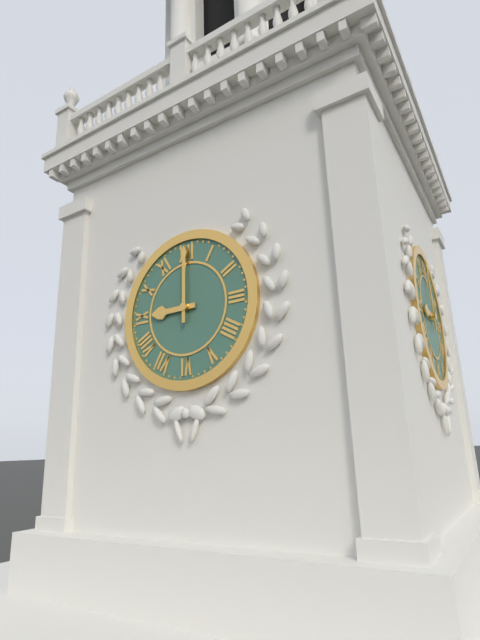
9:00
